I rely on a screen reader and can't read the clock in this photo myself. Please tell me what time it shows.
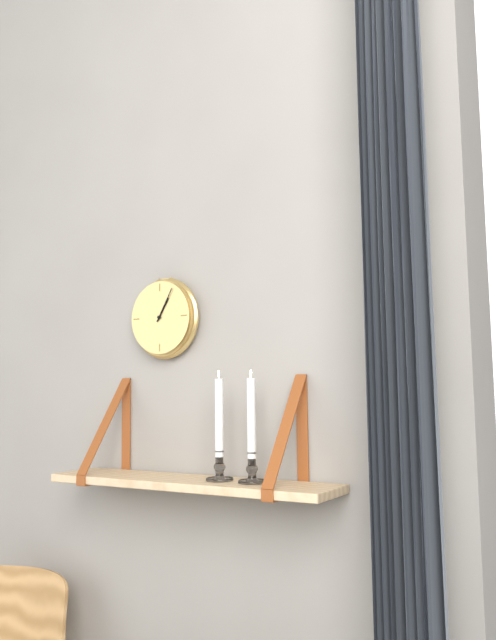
1:05
